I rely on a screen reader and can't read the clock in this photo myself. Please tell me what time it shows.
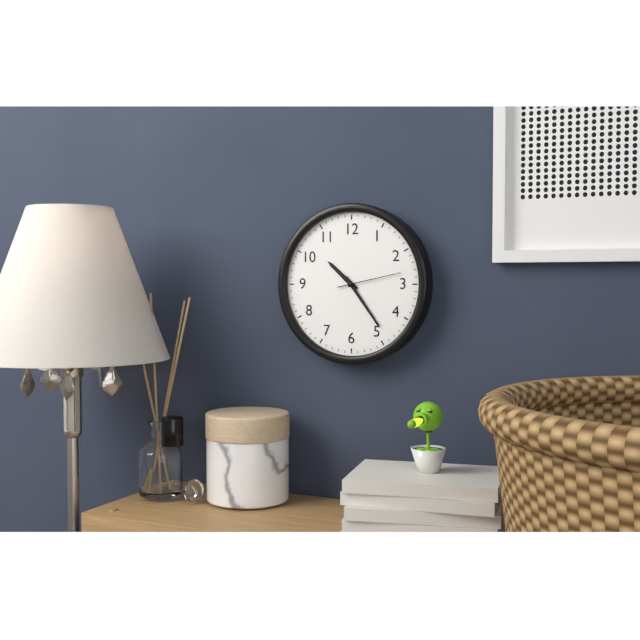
10:24:13
